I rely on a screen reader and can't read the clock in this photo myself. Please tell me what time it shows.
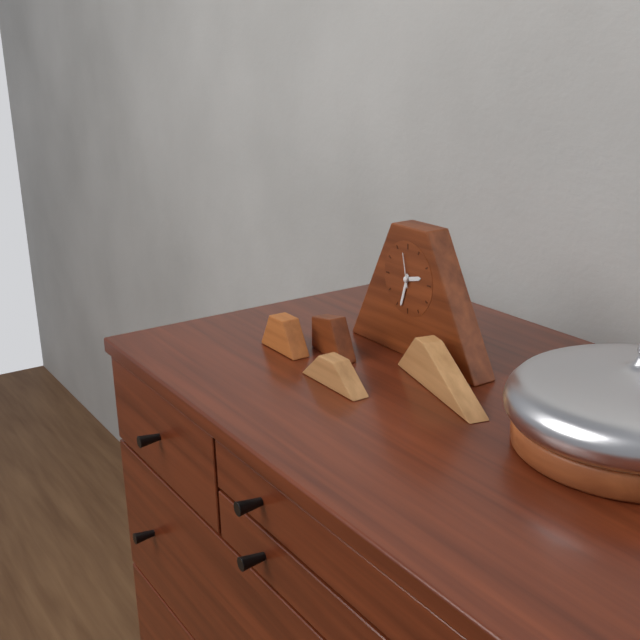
2:33
